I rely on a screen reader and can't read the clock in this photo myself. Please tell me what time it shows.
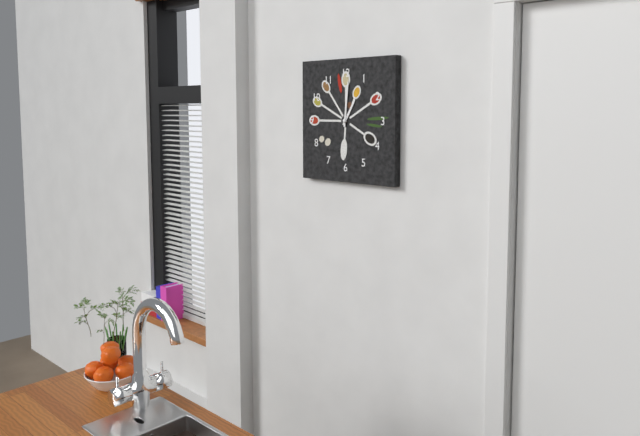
1:01
